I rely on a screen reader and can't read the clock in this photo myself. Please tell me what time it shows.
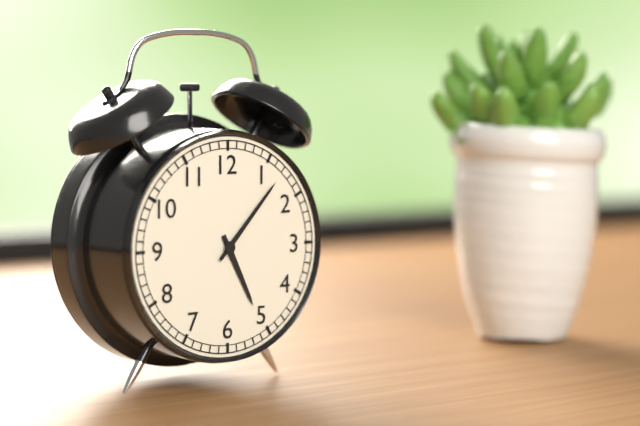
5:07
